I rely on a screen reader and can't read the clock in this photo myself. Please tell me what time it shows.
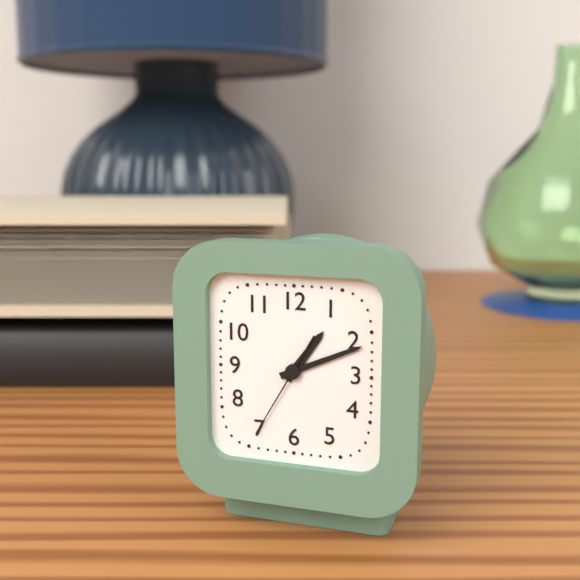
1:11:35
